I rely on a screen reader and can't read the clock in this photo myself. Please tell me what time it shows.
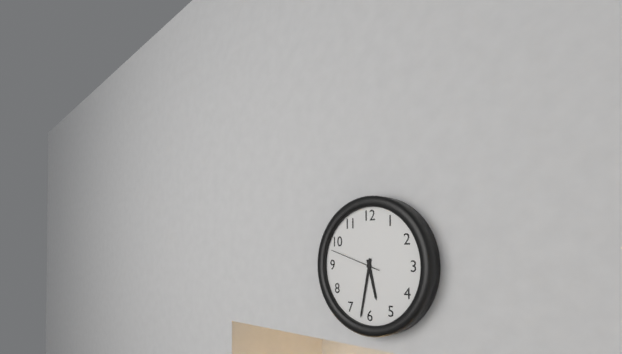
5:32:48
